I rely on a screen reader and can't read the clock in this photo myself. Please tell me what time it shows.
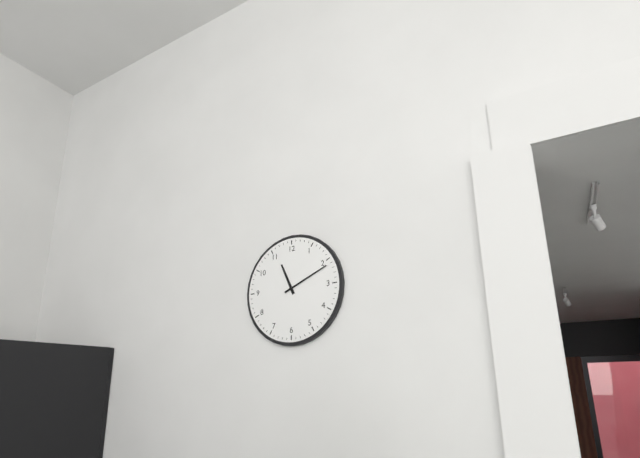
11:11
